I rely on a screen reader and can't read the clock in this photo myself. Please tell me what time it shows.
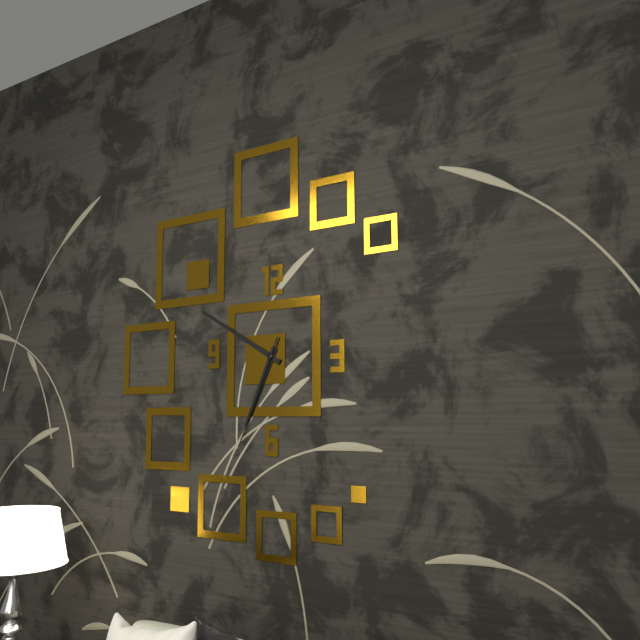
6:50:34
